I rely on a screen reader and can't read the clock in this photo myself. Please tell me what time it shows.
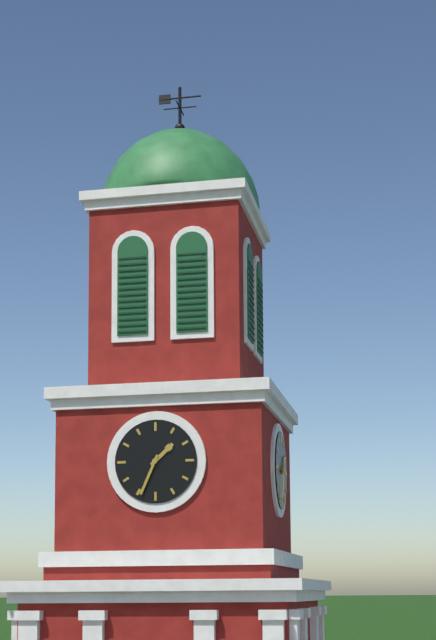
1:34
